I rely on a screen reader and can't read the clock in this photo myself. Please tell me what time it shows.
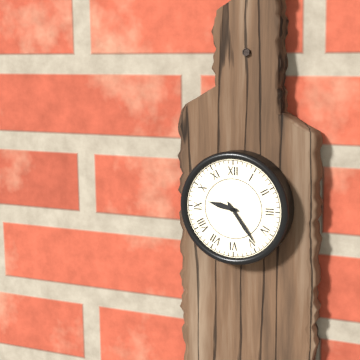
9:24
